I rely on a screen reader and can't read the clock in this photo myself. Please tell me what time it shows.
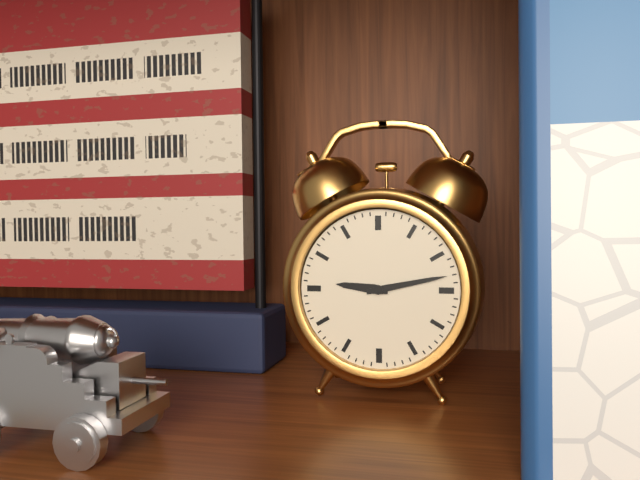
9:13
